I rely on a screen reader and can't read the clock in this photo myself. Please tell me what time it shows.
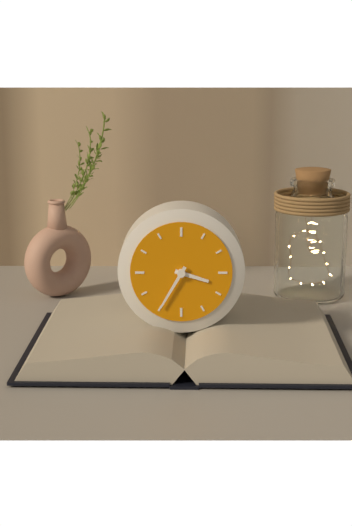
3:35
